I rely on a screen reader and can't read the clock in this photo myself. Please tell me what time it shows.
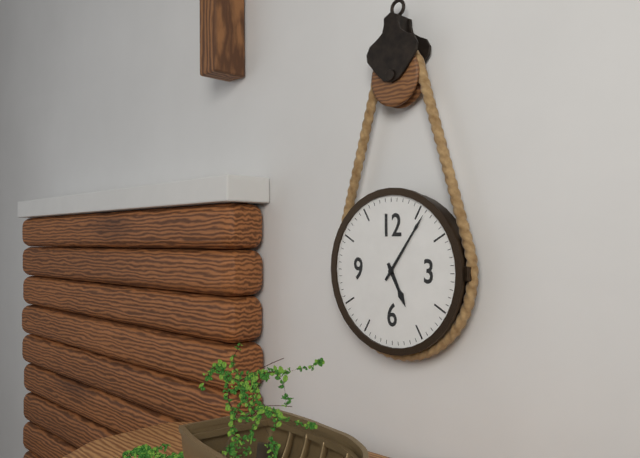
5:06
